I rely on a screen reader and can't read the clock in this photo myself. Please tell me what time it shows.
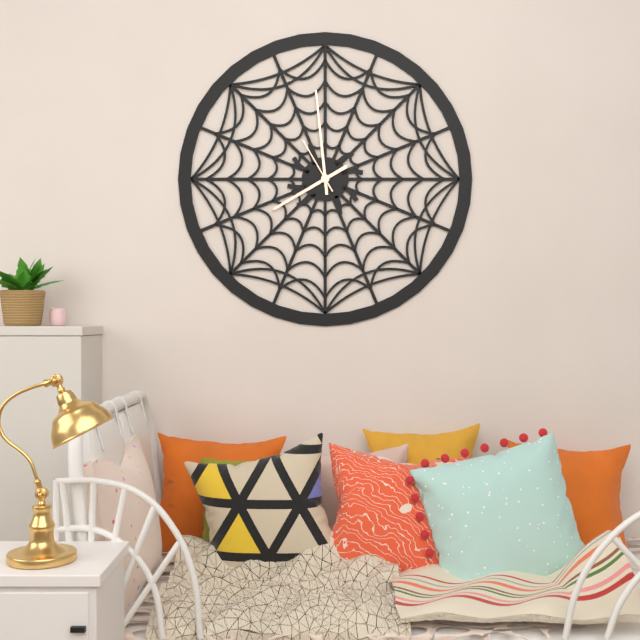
7:59:55
